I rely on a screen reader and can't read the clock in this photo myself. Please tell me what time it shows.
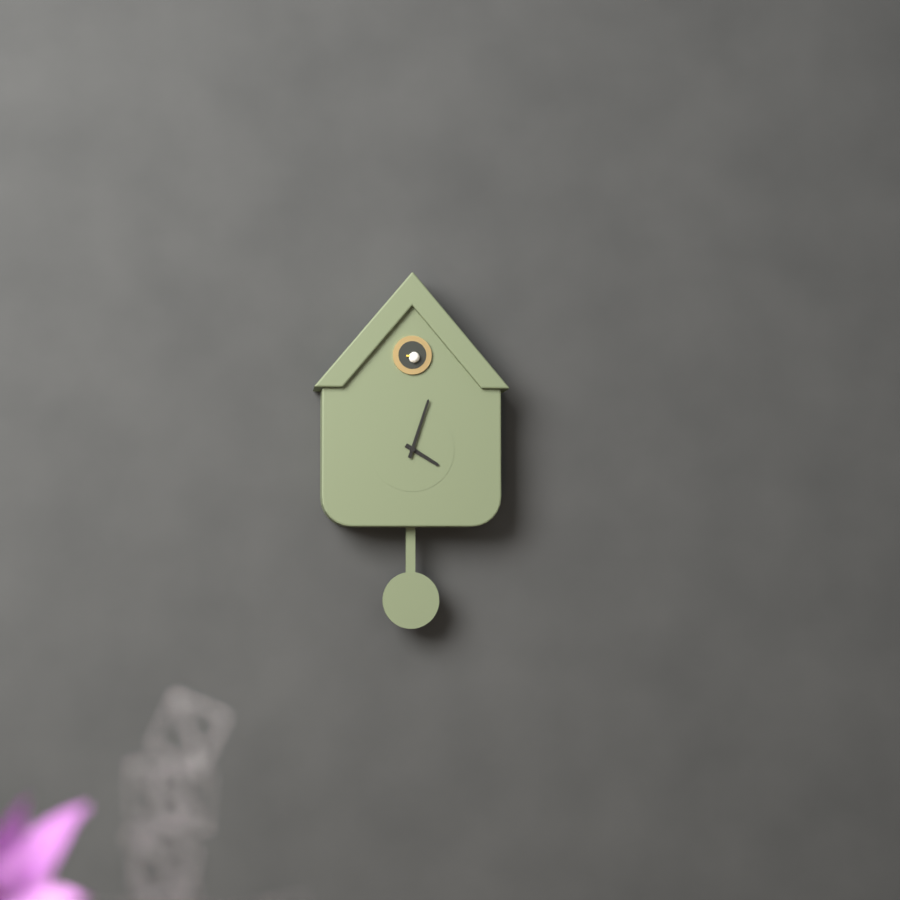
4:03
